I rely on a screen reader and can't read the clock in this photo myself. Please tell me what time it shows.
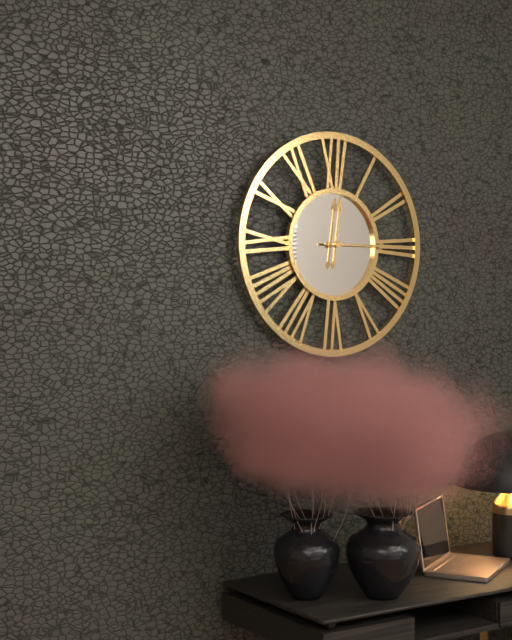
12:15
